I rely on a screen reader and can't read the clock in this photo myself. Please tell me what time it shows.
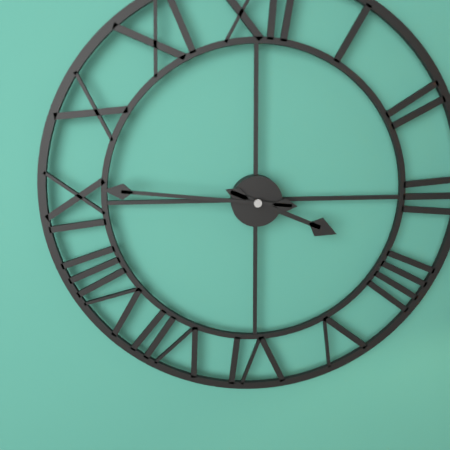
3:46
